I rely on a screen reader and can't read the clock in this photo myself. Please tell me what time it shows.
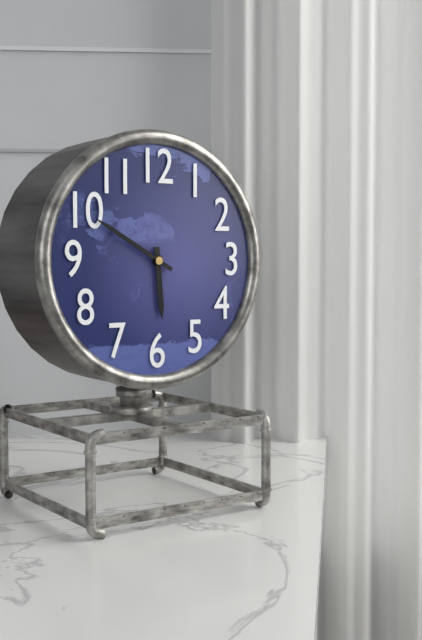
5:50
